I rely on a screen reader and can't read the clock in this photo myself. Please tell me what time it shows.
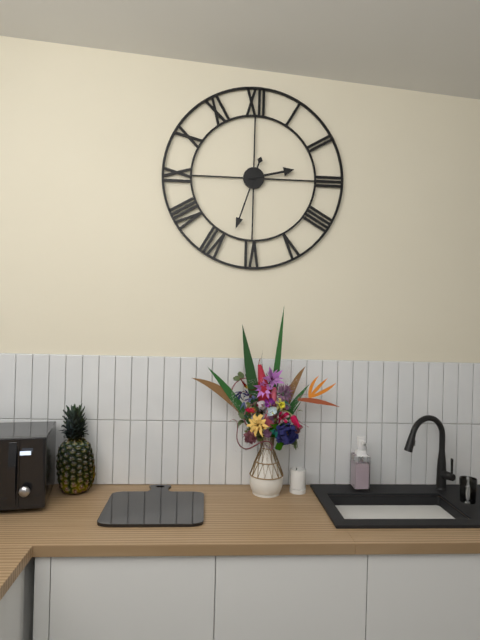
2:33
